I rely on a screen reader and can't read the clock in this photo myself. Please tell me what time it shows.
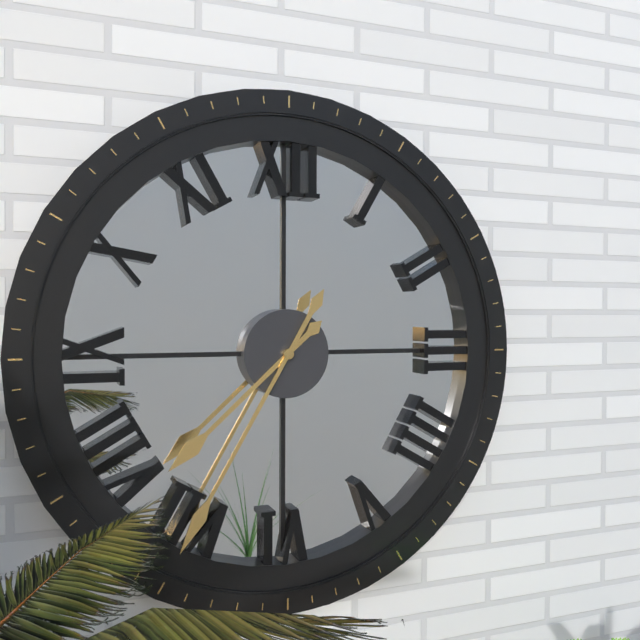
7:35
